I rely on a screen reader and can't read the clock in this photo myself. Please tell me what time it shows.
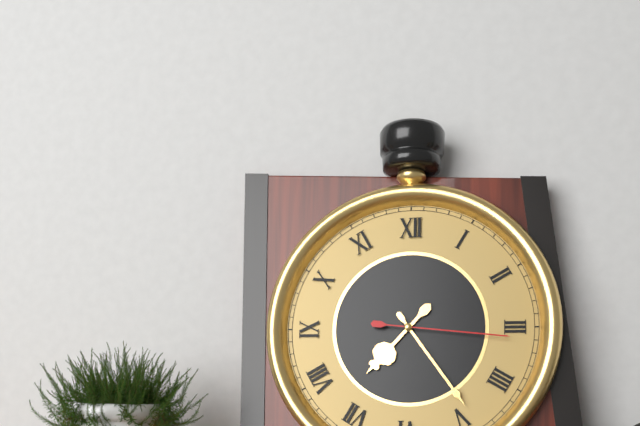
7:24:16
